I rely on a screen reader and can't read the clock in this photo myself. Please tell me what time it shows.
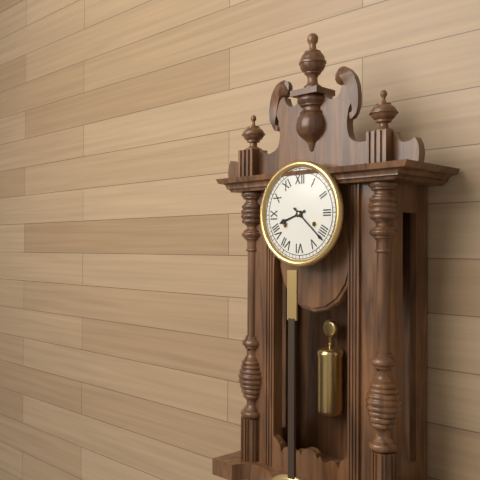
8:22
